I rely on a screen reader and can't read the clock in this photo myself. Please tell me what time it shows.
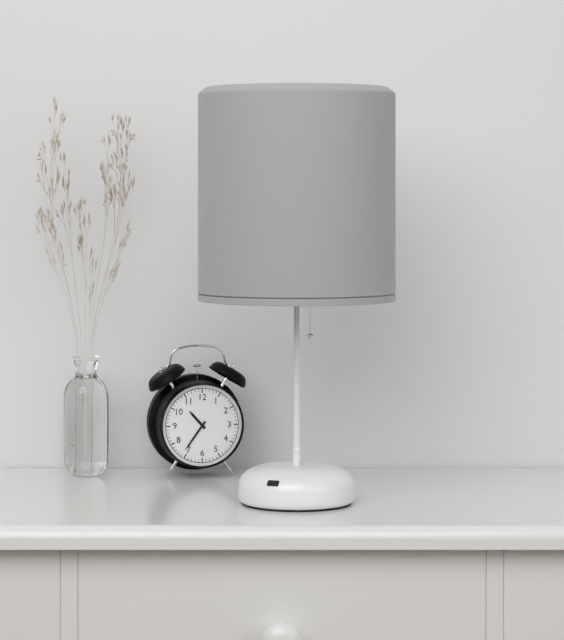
10:36
